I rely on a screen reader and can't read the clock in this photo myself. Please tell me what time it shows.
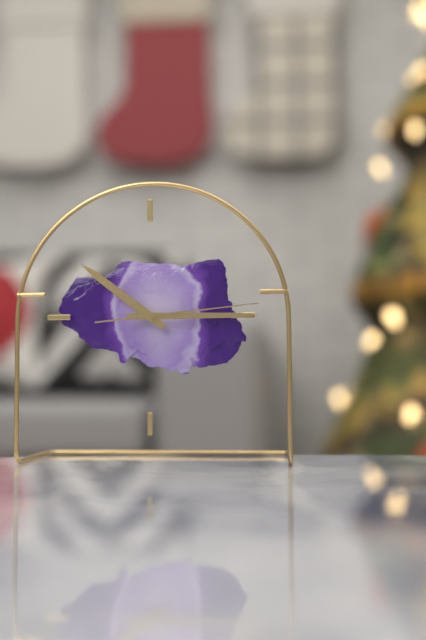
10:15:14
